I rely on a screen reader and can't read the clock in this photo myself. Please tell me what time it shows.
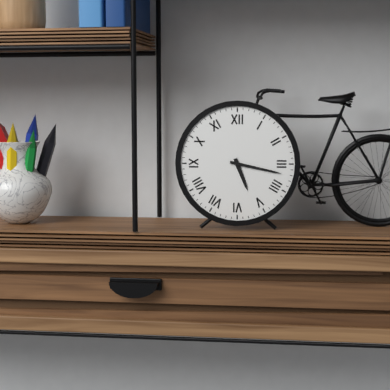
5:17
